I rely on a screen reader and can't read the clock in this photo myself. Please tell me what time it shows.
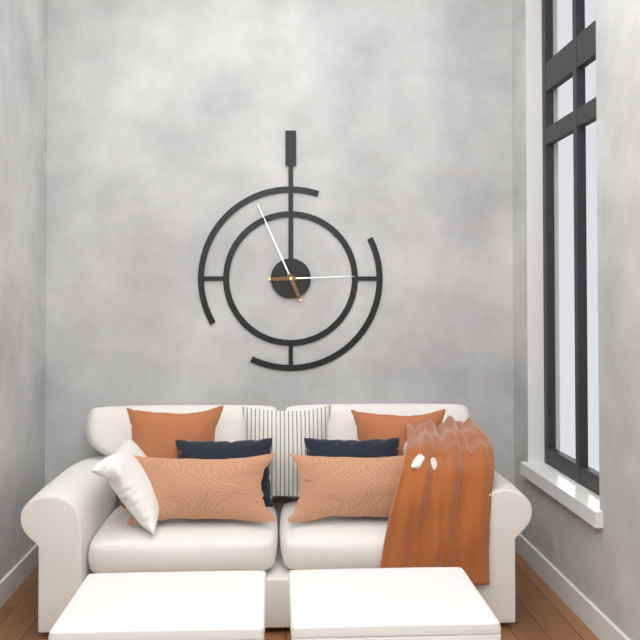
2:56
